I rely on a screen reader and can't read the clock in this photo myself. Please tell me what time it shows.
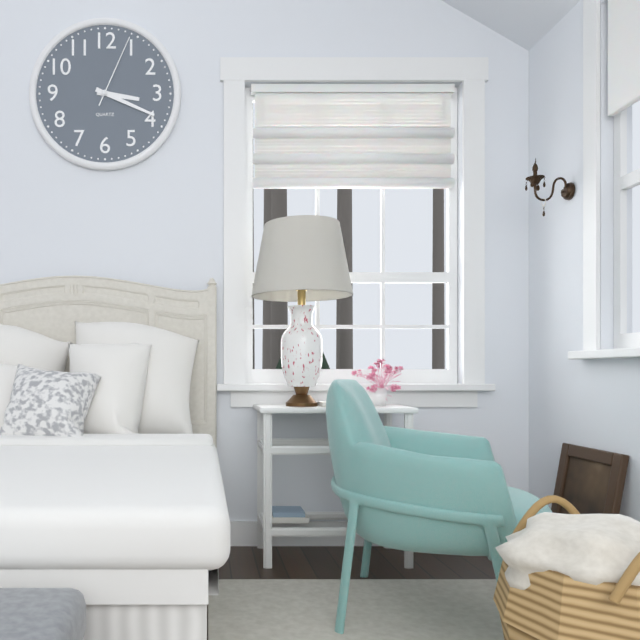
3:19:04
